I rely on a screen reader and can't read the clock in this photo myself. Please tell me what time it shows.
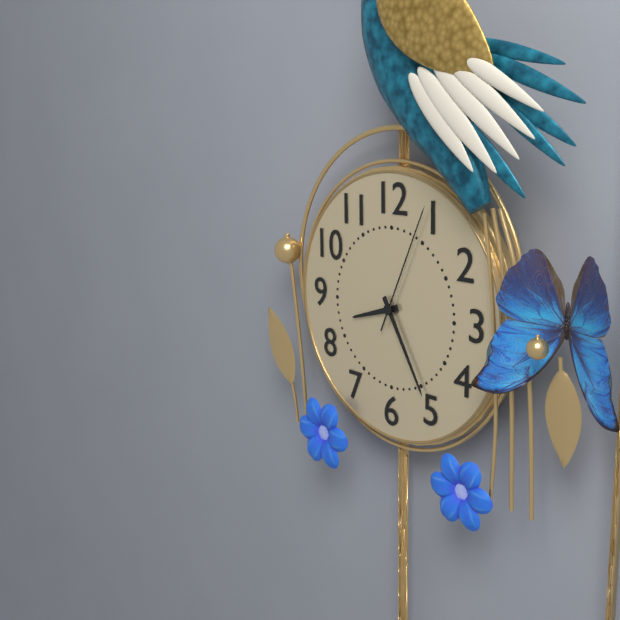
8:25:04
